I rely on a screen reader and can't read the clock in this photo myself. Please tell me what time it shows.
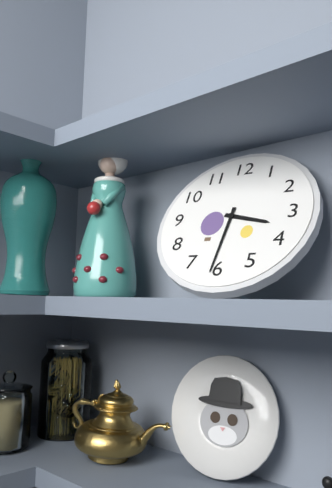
3:31
